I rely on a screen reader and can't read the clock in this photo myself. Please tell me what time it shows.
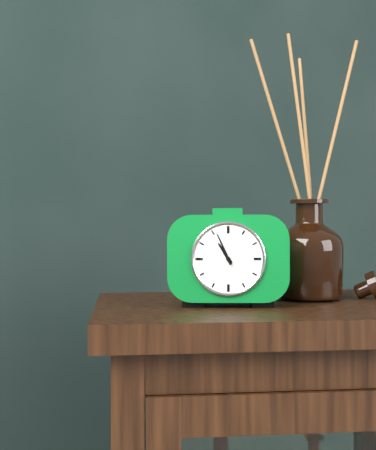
10:56
